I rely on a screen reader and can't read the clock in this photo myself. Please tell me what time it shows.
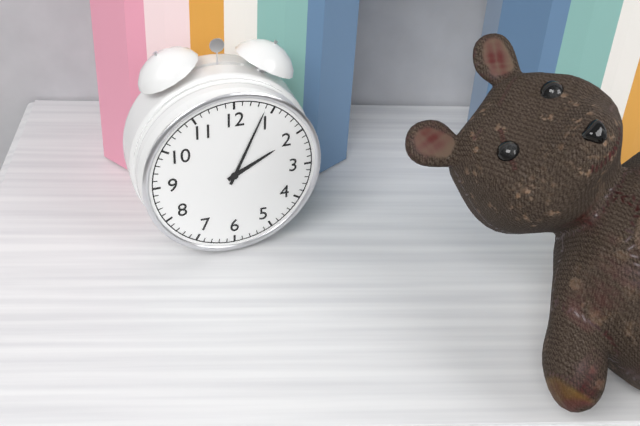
2:04
